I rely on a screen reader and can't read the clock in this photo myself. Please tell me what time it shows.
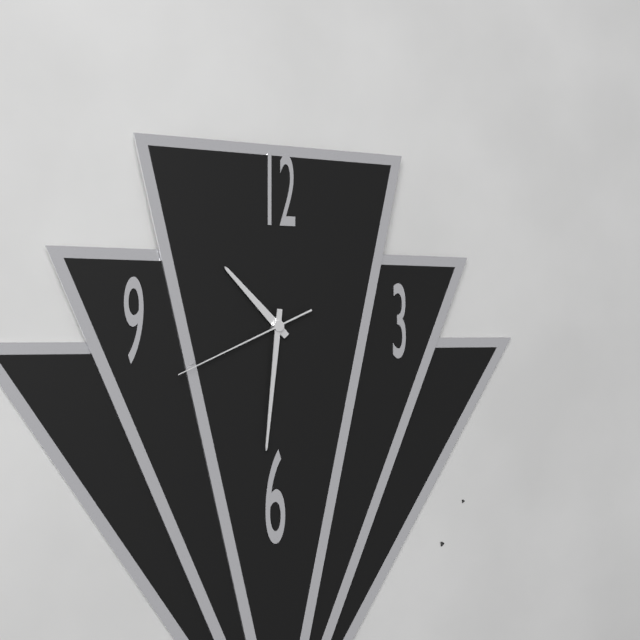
10:31:41
